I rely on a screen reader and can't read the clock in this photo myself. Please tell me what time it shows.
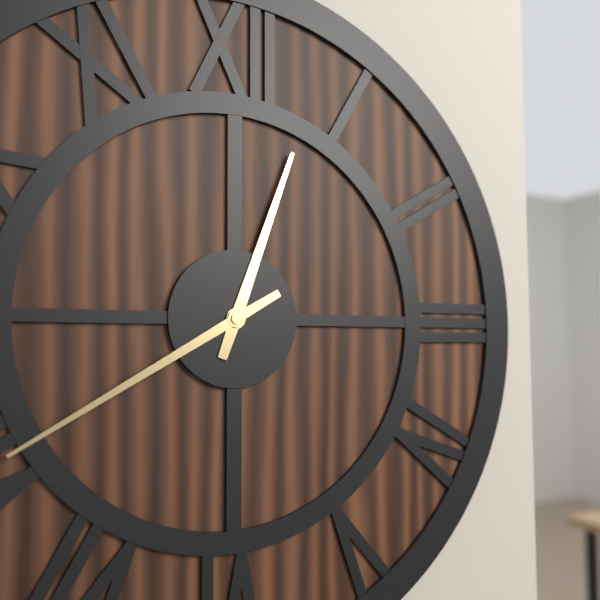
12:40
